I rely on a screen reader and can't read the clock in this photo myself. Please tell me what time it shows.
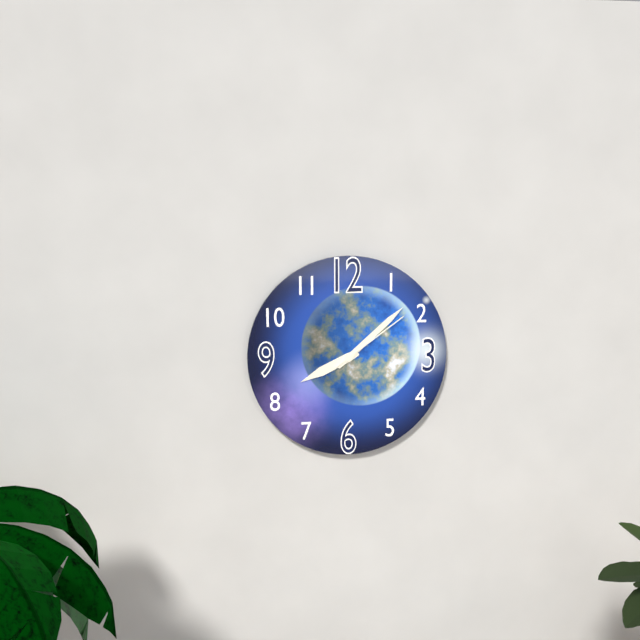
8:08:09
